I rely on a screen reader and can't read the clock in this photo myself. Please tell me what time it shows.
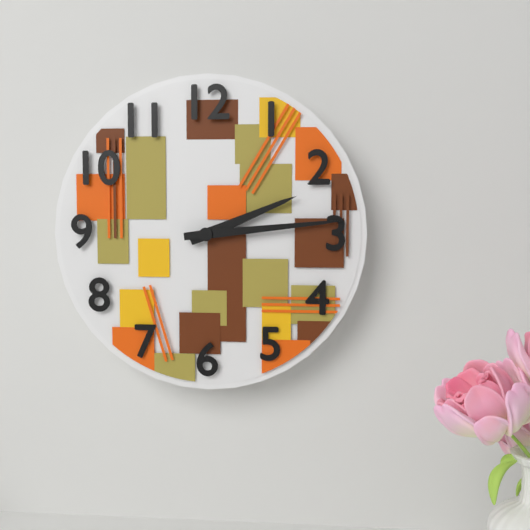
2:14
